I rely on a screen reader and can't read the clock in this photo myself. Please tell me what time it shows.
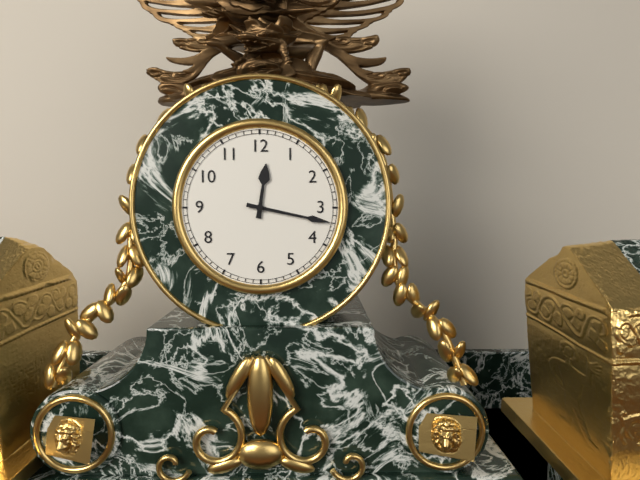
12:17
